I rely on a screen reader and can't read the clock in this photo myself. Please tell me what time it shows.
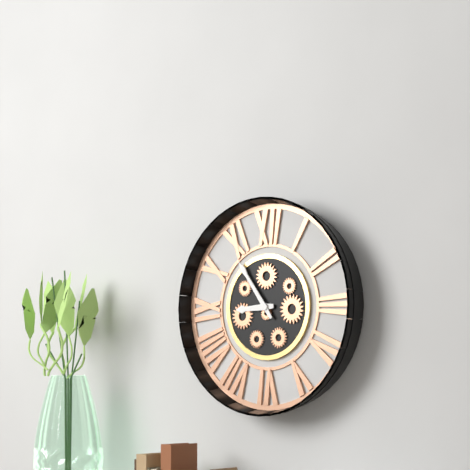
8:54
